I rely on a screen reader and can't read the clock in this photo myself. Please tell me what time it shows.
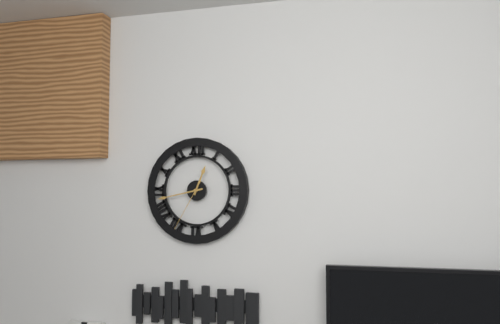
12:43:35
